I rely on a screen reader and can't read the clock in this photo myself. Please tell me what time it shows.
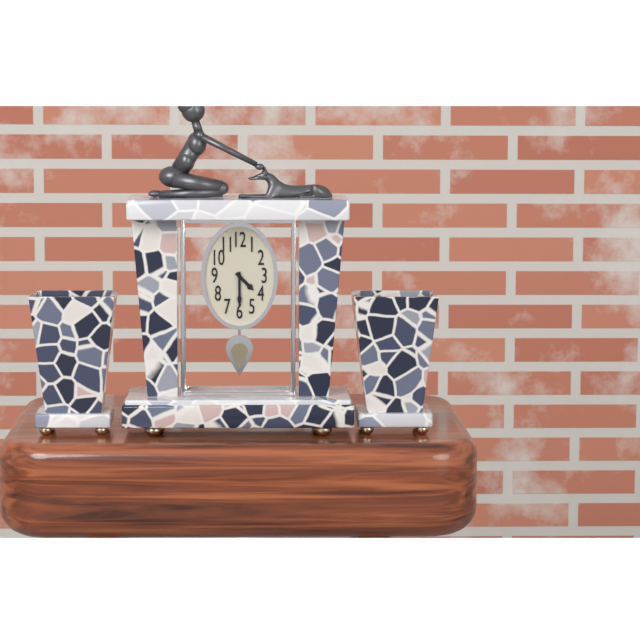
4:30
